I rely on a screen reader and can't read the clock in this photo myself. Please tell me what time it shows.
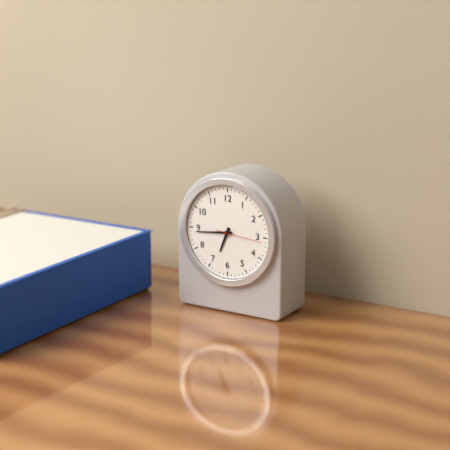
6:44
